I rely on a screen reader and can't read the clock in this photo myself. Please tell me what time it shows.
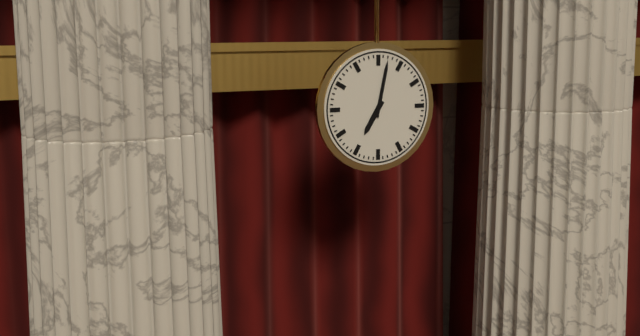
7:02
